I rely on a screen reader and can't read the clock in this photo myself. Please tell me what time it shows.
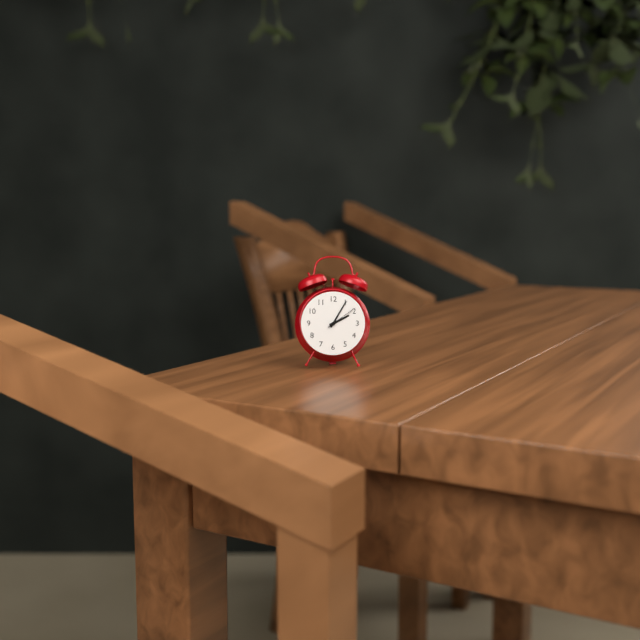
2:05
